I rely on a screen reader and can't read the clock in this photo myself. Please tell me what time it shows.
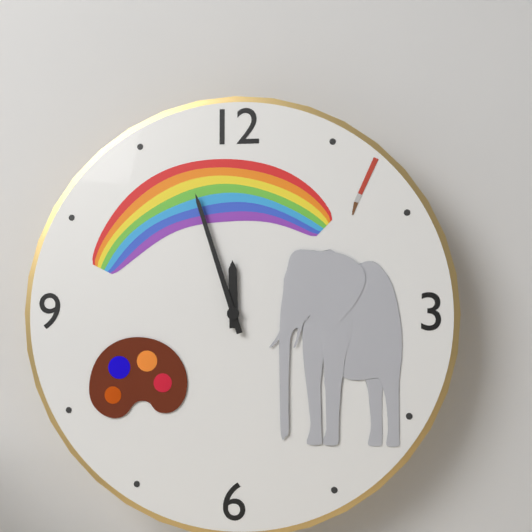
11:57
